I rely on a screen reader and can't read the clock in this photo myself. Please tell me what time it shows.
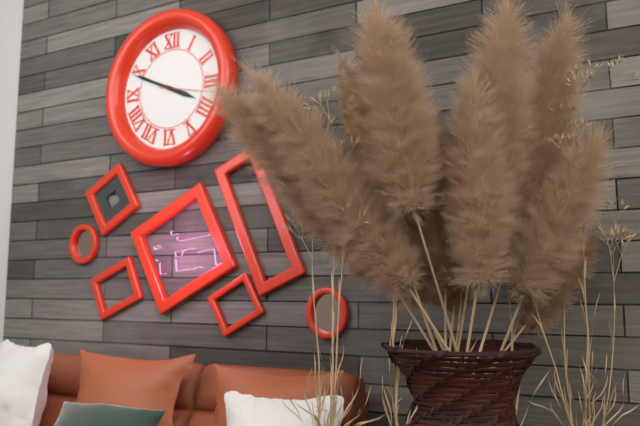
3:49
